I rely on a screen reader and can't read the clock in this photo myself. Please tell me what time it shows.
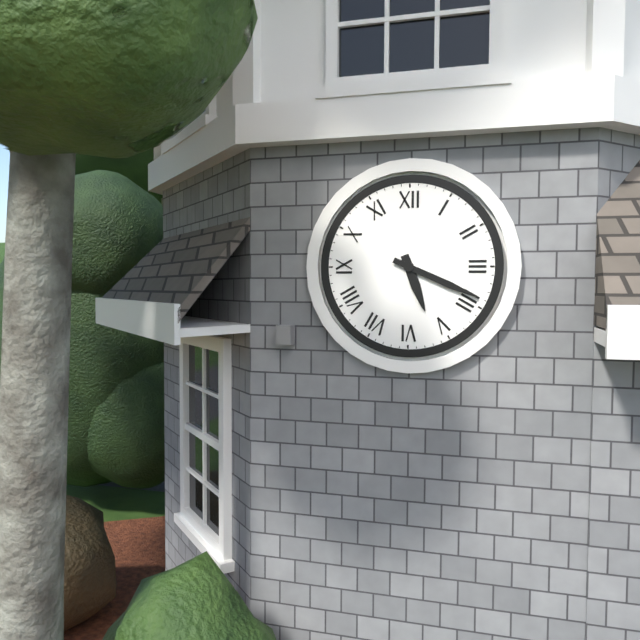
5:19
